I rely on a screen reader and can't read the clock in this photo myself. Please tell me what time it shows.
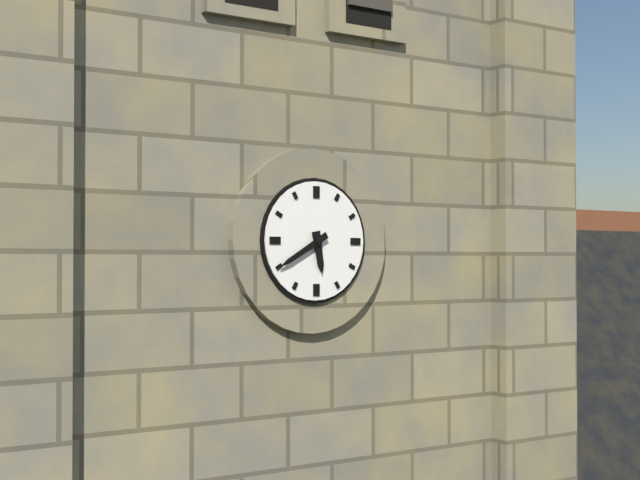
5:40
